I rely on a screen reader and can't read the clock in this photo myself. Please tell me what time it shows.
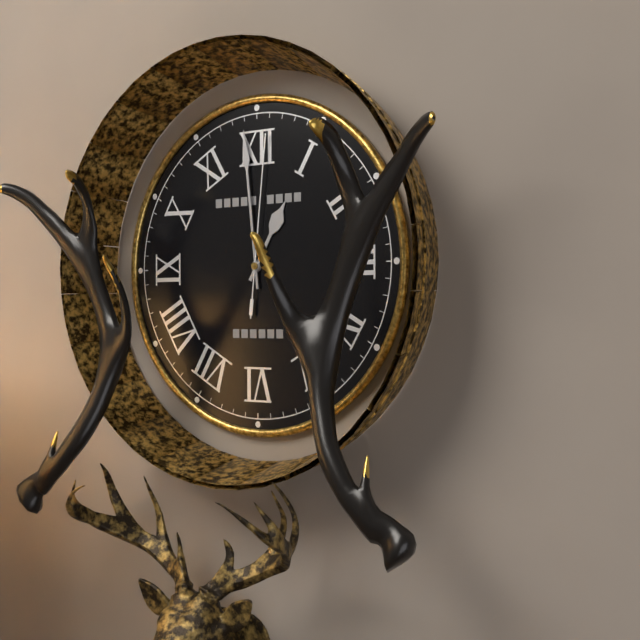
12:59:01
